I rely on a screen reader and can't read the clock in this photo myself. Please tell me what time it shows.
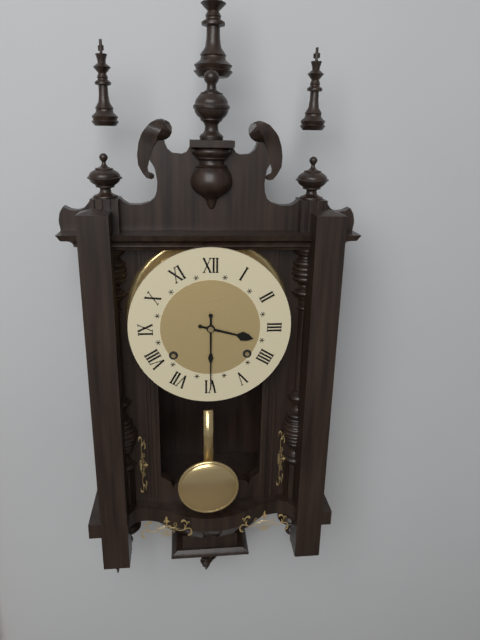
3:30
